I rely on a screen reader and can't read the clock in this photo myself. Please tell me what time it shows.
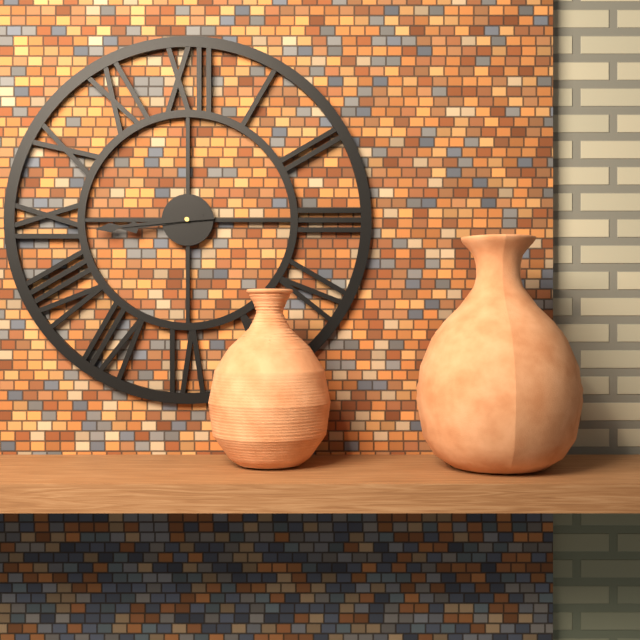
8:44
